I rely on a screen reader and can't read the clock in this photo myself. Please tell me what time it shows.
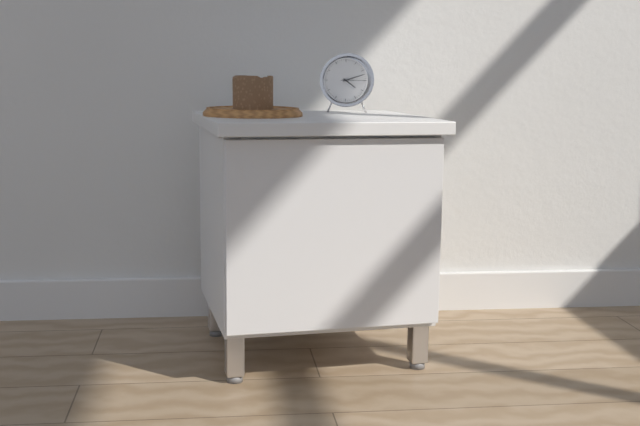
4:12
